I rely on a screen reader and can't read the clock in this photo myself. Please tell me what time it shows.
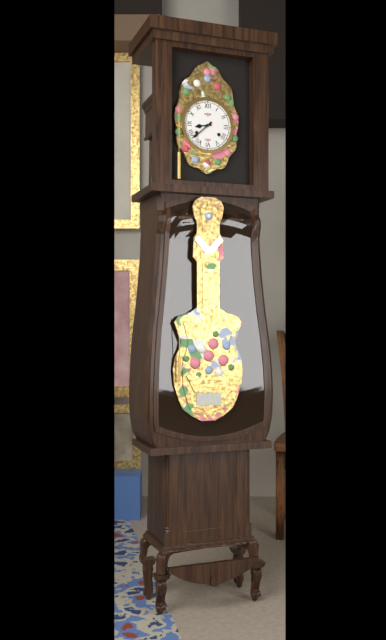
8:38
